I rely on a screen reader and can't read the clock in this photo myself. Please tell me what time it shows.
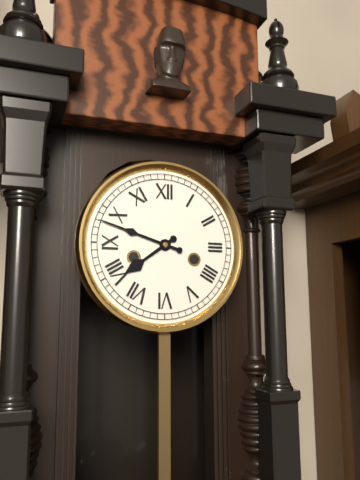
7:48
